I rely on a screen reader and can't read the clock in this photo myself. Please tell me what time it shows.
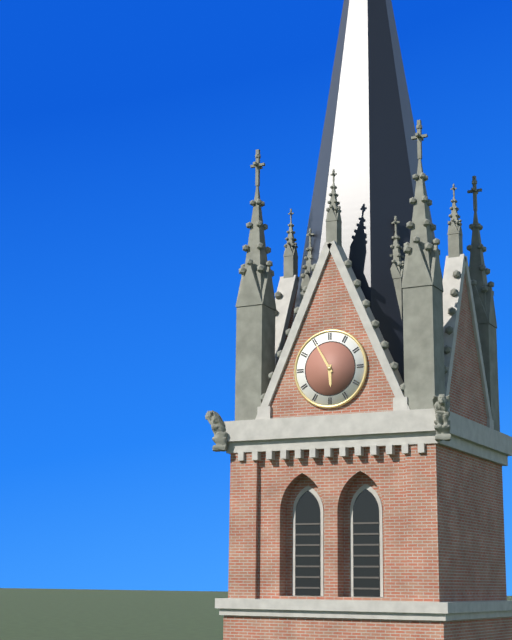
5:55
